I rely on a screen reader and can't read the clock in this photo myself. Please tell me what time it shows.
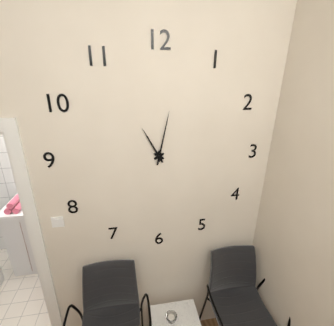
11:02
